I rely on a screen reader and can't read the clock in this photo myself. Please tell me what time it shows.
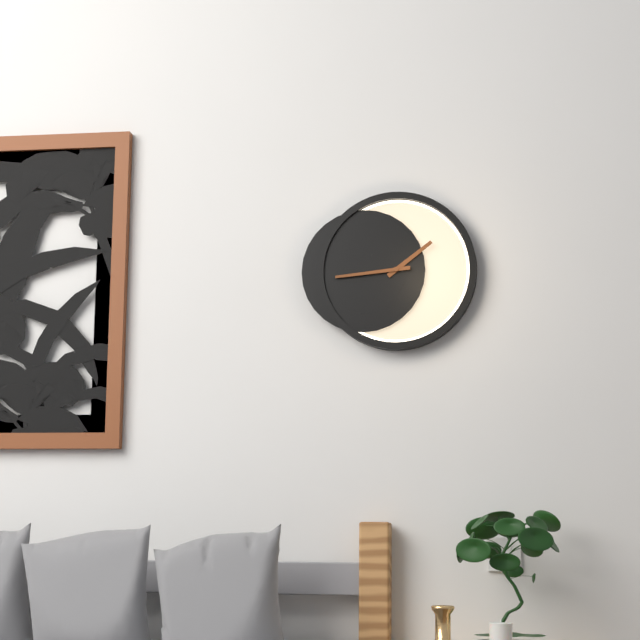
1:44
